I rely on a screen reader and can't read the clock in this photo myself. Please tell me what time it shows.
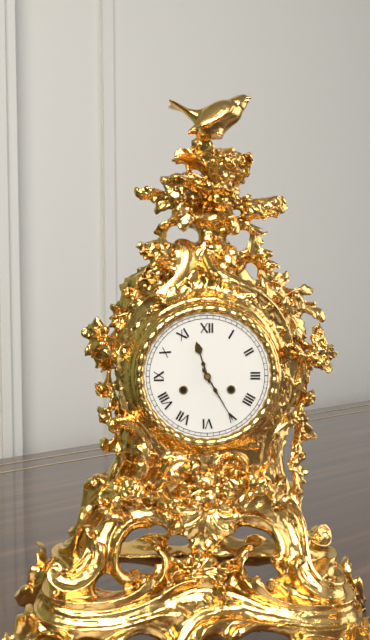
11:25
